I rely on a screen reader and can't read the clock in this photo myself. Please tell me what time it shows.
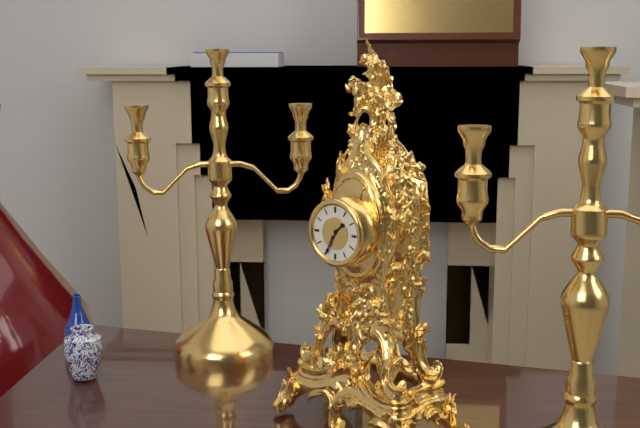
1:34
